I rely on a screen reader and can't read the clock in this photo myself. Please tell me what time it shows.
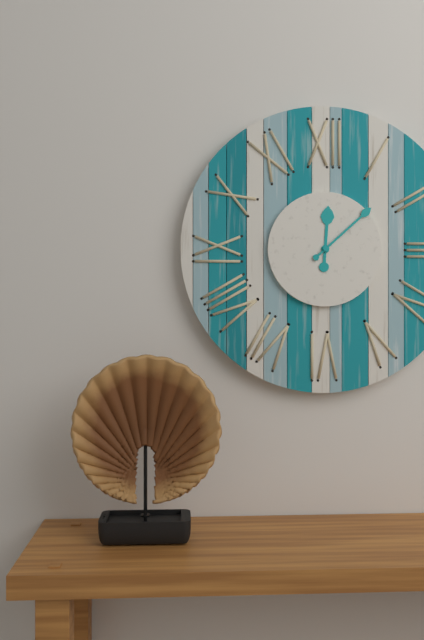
12:08
